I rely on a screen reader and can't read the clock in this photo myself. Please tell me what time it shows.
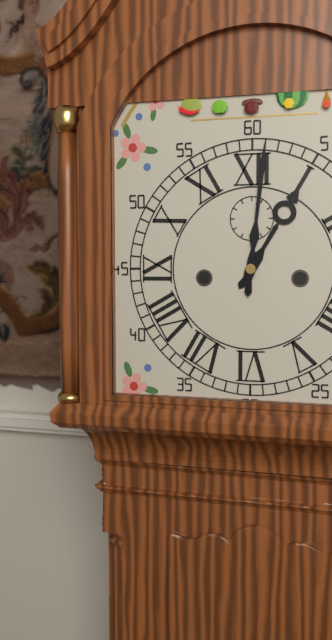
1:01
